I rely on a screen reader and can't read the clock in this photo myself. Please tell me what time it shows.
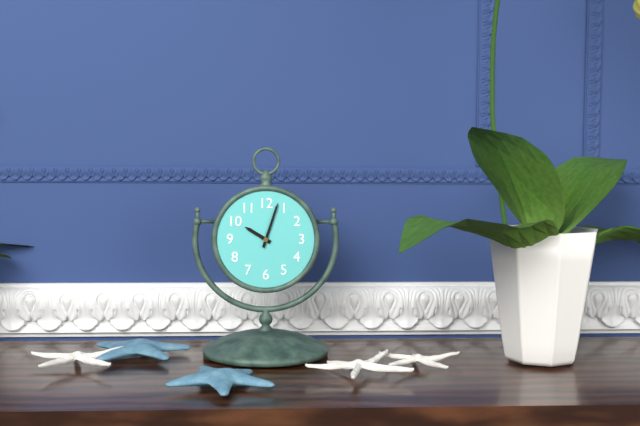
10:03
